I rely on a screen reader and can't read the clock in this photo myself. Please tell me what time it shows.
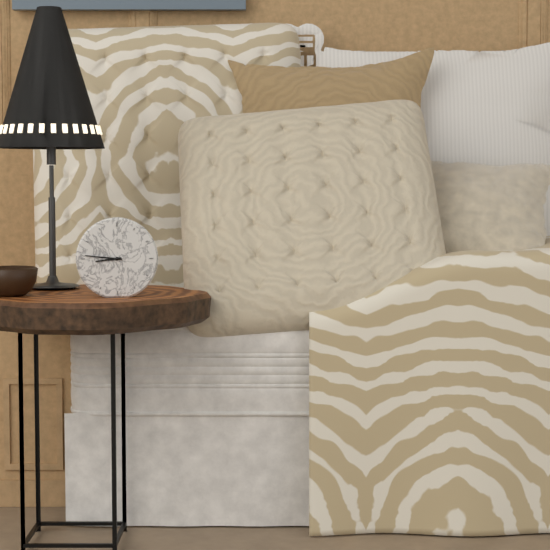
8:46
